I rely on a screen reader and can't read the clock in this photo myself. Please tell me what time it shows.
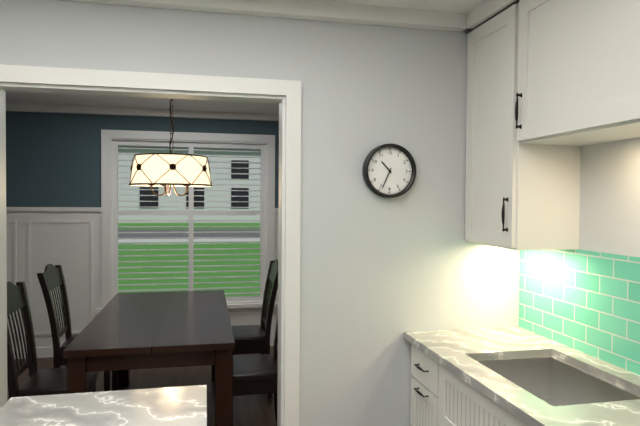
10:34
